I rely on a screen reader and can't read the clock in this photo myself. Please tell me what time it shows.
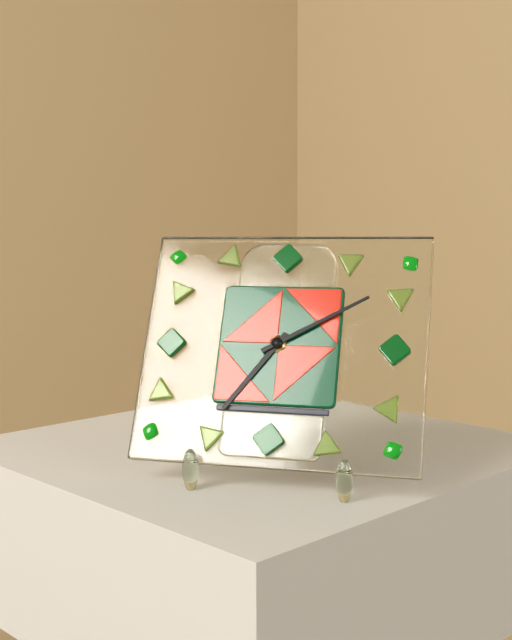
7:10
